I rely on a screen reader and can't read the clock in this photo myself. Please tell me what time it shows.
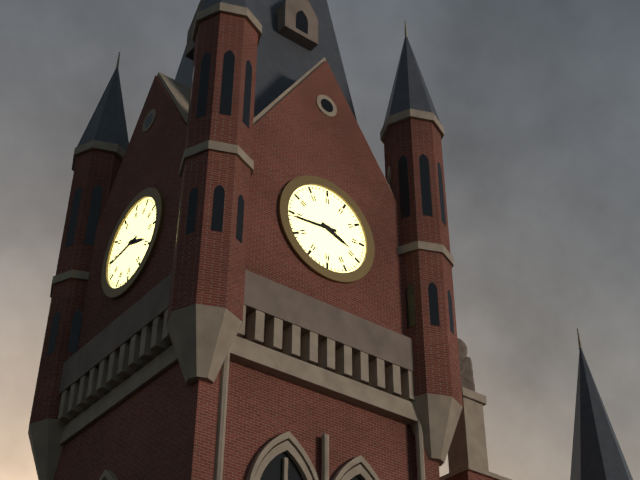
3:44
